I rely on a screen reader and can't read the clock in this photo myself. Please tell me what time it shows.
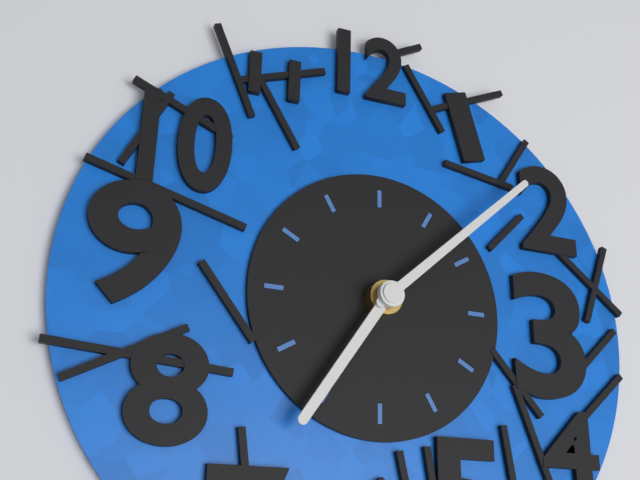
7:08
